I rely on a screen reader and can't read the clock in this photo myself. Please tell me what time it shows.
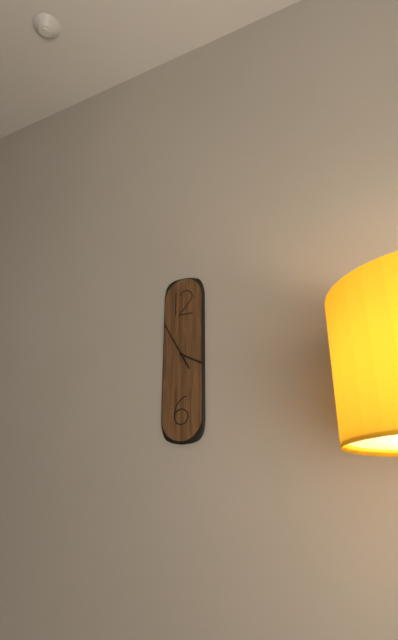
3:55
